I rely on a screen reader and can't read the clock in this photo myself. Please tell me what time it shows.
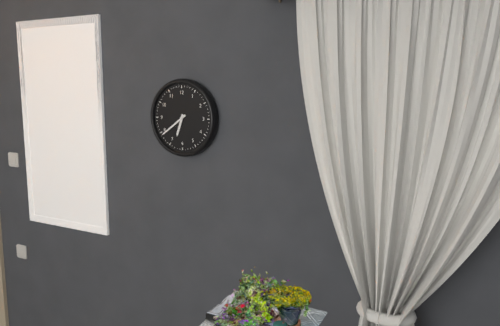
6:39
